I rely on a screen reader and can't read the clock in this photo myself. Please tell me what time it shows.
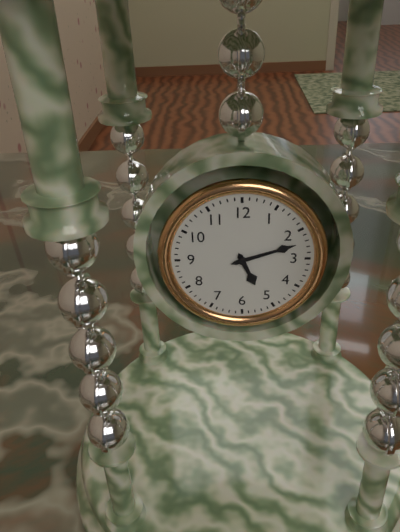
5:12
